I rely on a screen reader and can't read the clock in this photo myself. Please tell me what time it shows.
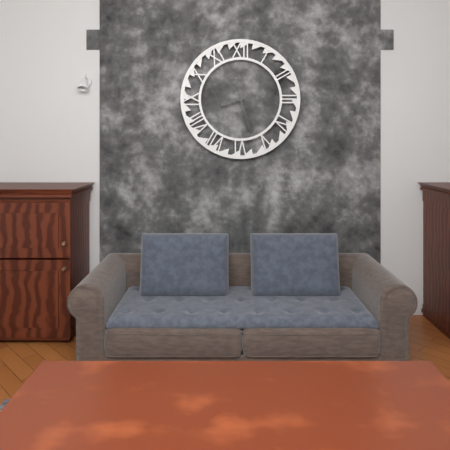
8:27
